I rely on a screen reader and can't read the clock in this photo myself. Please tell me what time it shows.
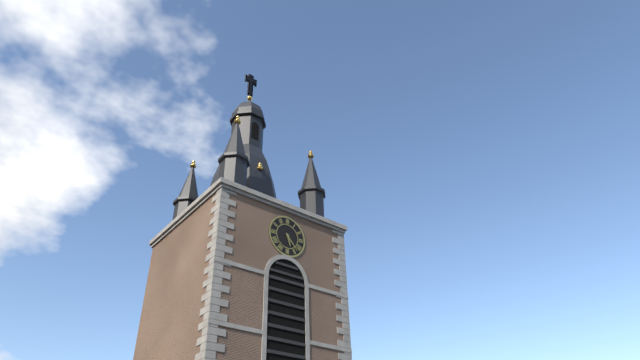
5:23
